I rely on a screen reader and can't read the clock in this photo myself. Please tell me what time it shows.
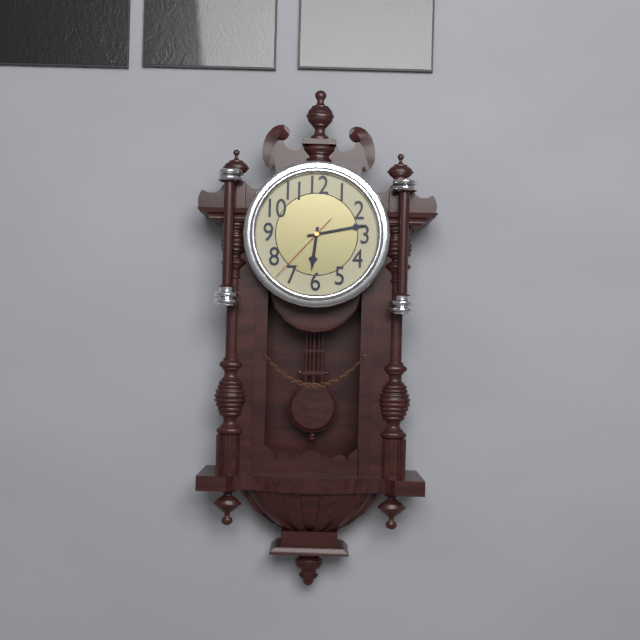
6:13:37
